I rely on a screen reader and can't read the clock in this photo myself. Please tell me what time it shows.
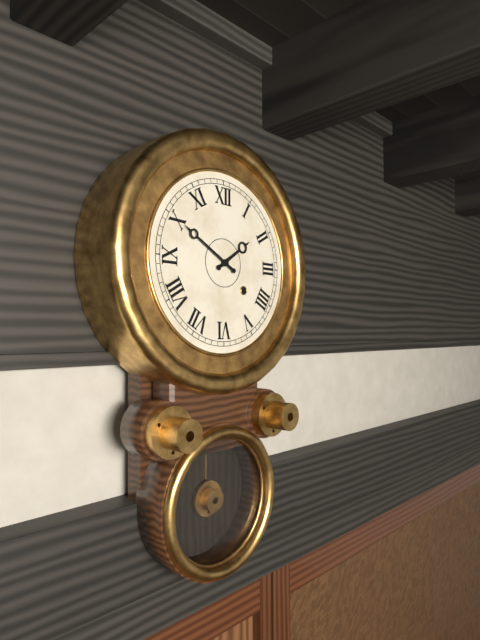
1:50
